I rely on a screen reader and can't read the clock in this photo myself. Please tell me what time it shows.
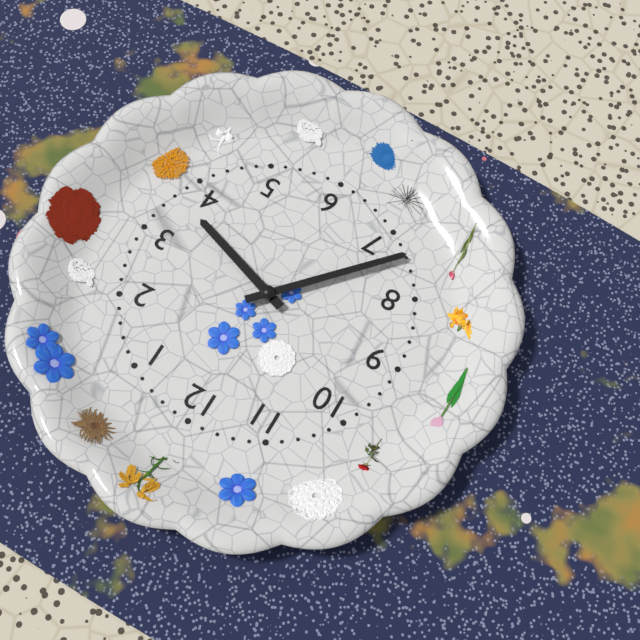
3:37
